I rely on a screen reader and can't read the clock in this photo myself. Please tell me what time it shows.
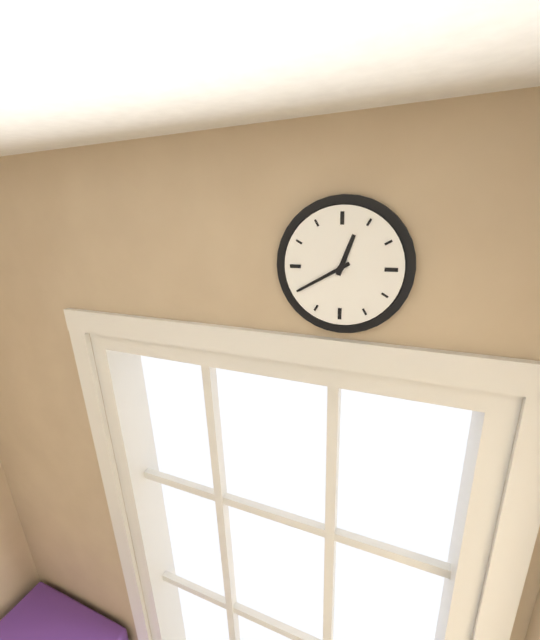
12:40
